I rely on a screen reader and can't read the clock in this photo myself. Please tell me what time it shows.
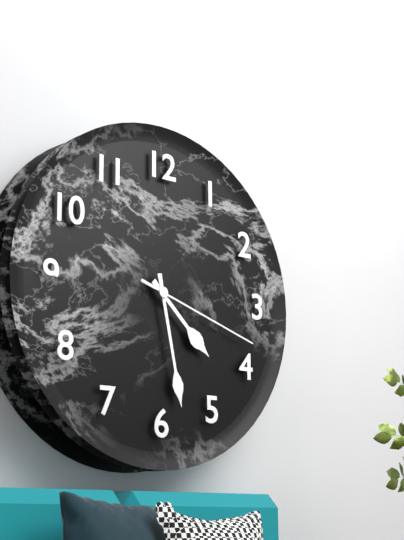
4:28:18
